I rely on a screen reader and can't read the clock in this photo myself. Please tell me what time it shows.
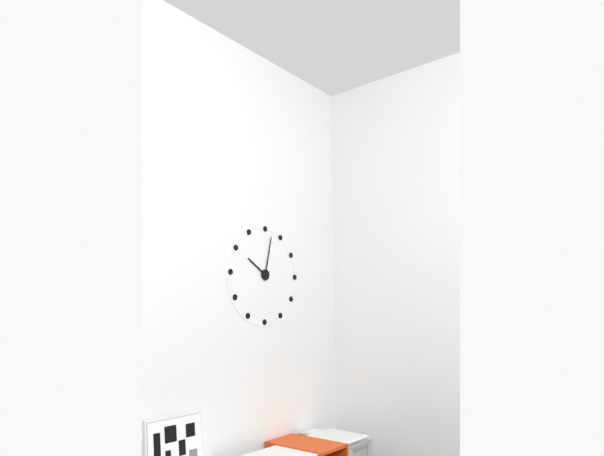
10:02
